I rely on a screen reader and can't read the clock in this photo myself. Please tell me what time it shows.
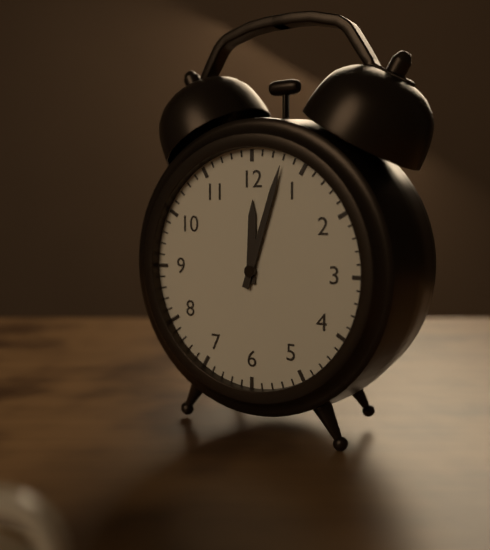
12:03
